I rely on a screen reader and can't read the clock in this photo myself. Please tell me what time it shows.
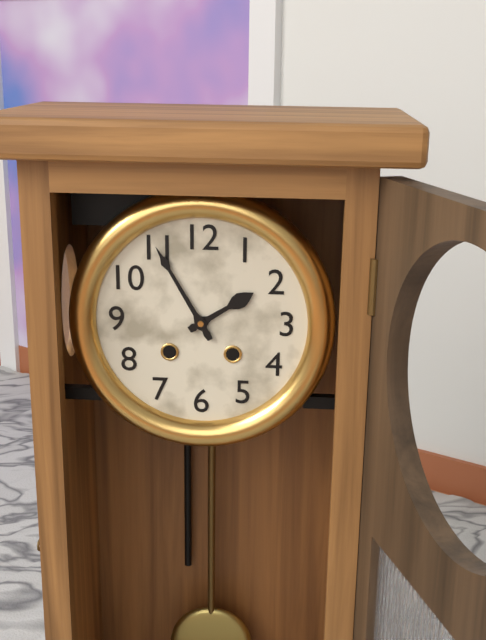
1:55
